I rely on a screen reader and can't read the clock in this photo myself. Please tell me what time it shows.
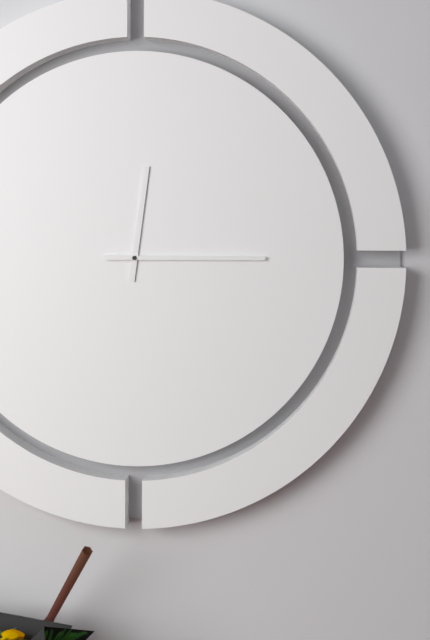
12:15
